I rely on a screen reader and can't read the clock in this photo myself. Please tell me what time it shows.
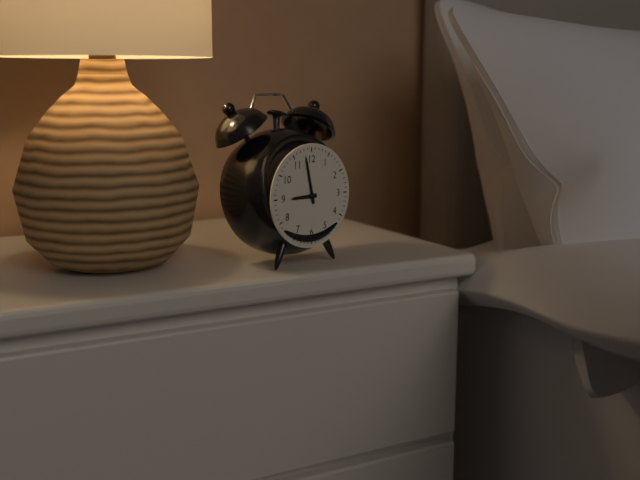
8:58
